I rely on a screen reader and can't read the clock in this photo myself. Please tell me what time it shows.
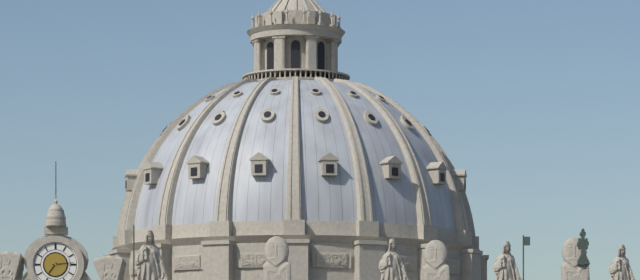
7:14
